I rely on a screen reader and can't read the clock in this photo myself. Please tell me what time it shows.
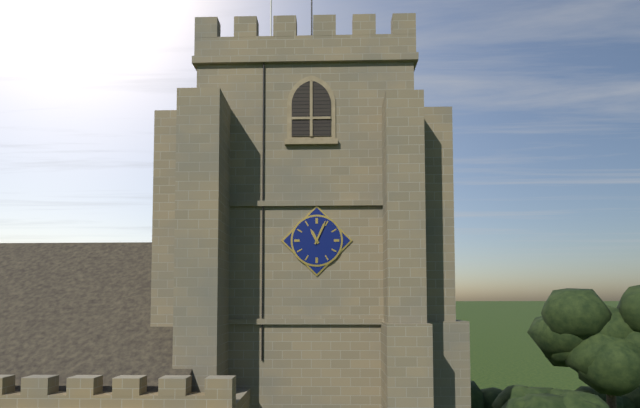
11:04
